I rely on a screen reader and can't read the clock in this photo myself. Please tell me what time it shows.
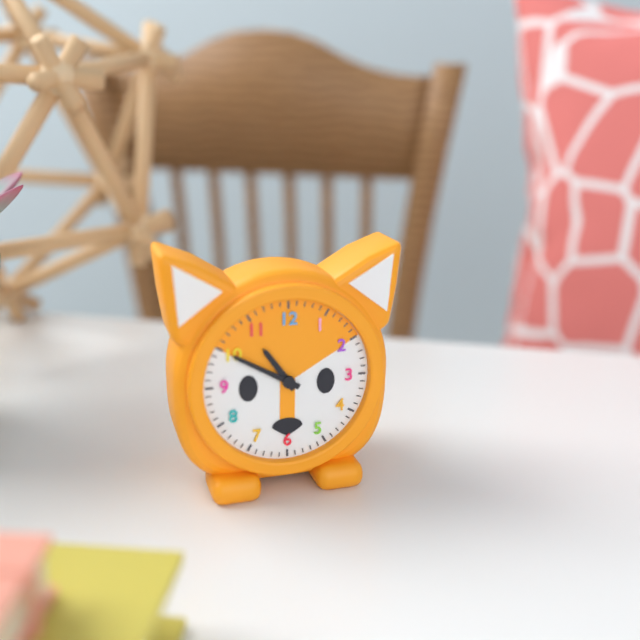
10:50
